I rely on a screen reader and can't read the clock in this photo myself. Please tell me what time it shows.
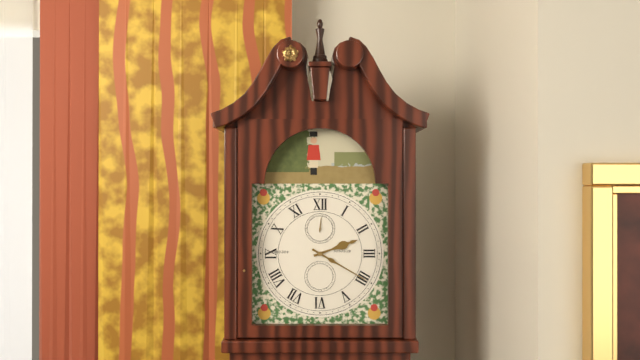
2:20
